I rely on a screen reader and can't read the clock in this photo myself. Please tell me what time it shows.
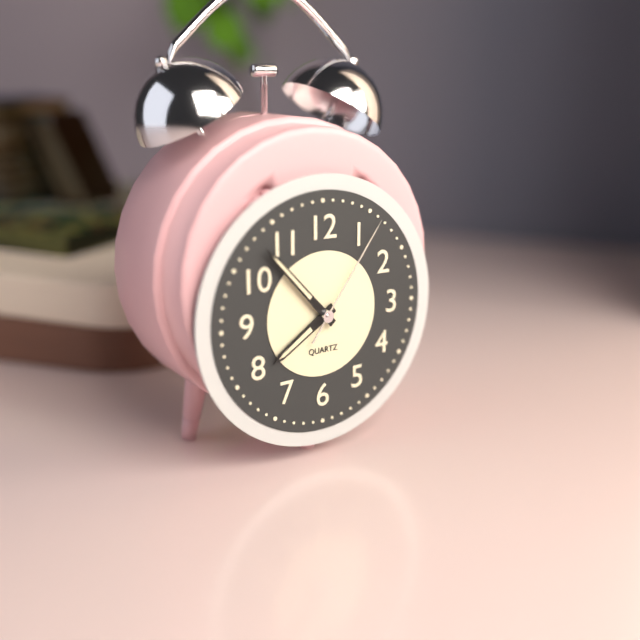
7:53:06
